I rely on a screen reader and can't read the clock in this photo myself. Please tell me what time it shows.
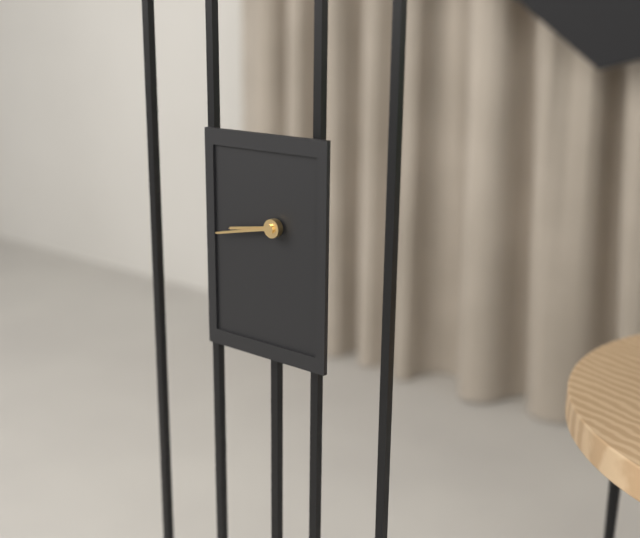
8:43
